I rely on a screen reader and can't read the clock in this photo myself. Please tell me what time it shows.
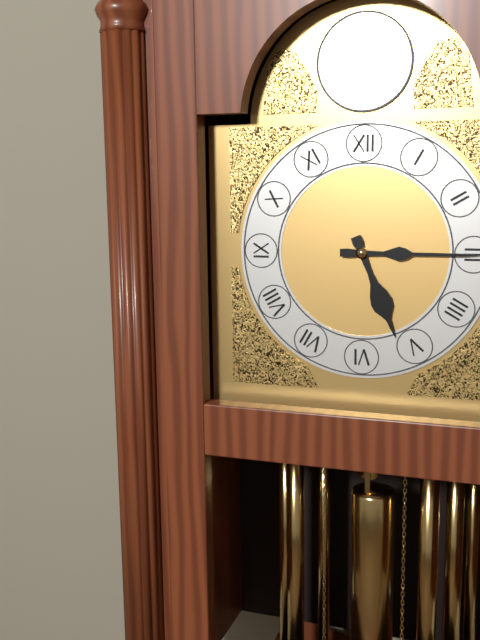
5:15
